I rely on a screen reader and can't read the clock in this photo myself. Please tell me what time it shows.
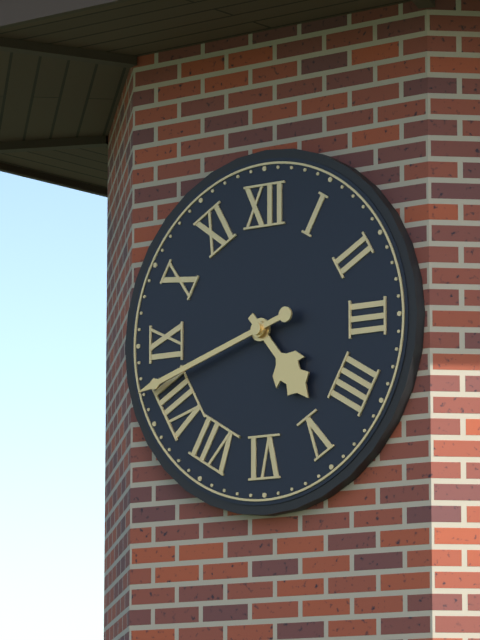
4:42
